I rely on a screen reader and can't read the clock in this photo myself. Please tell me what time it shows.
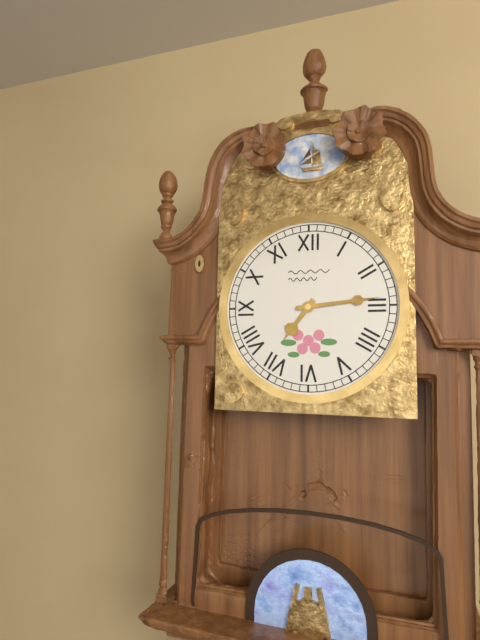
7:14
